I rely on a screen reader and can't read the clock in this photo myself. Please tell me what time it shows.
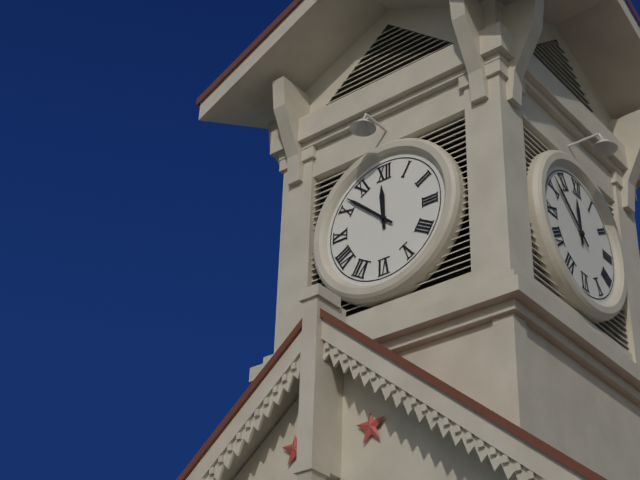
11:52
